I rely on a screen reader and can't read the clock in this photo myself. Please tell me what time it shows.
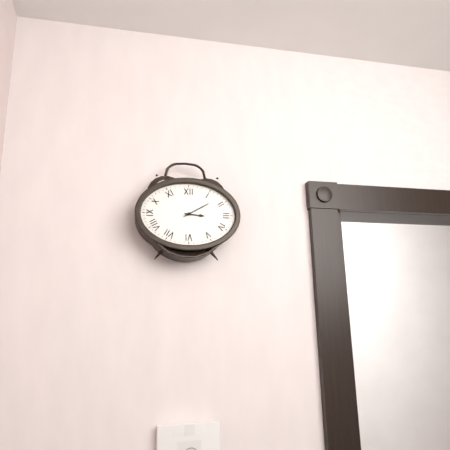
3:10
